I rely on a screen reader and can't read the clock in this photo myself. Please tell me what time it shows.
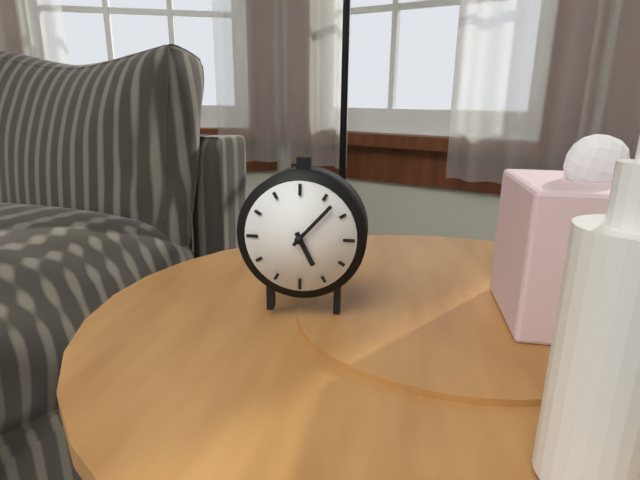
5:07
